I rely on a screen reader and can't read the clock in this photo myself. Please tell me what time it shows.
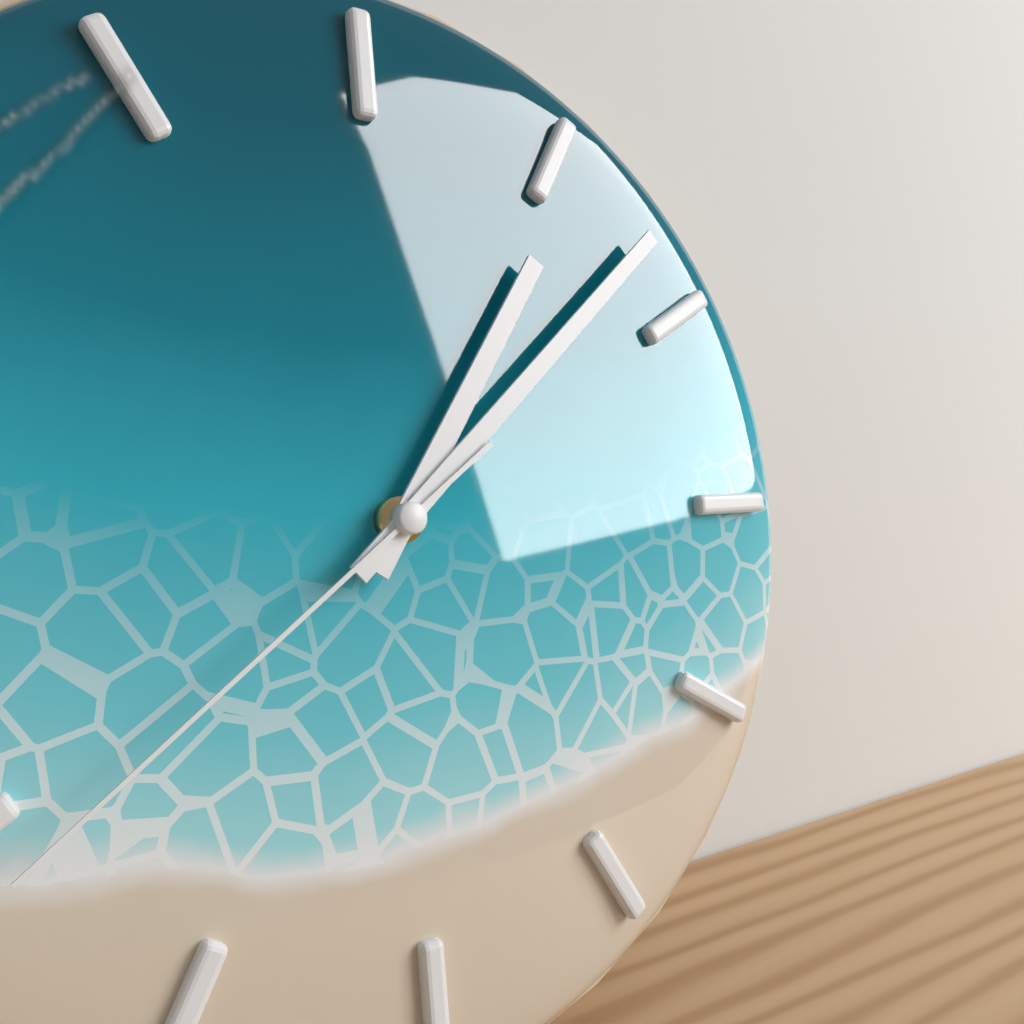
1:08:39
